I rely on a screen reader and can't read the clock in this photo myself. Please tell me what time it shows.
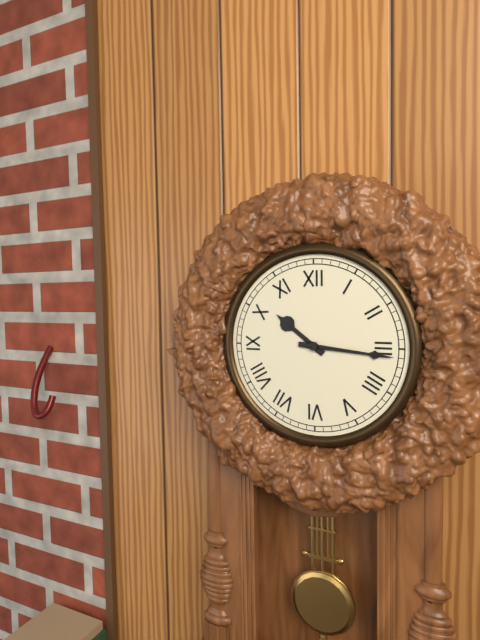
10:16
